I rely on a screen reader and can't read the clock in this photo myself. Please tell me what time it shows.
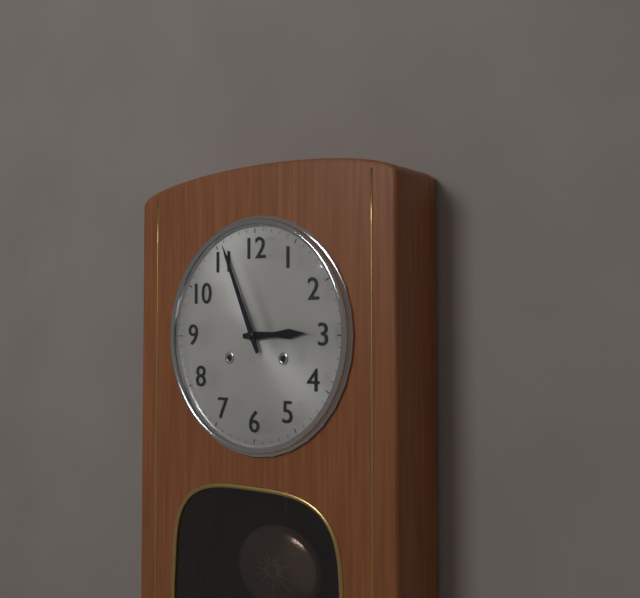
2:56
